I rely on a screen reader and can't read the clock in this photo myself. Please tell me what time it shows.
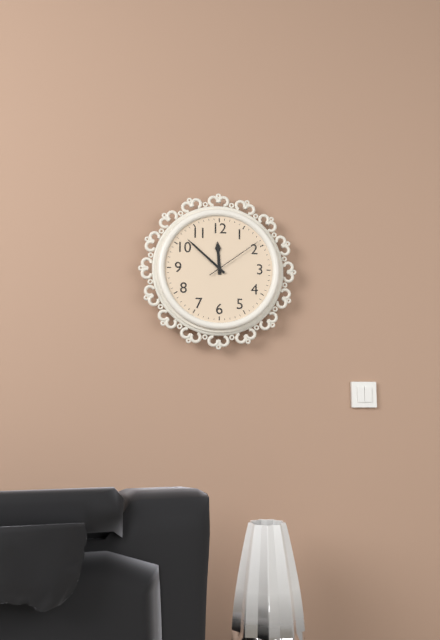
11:52:09
